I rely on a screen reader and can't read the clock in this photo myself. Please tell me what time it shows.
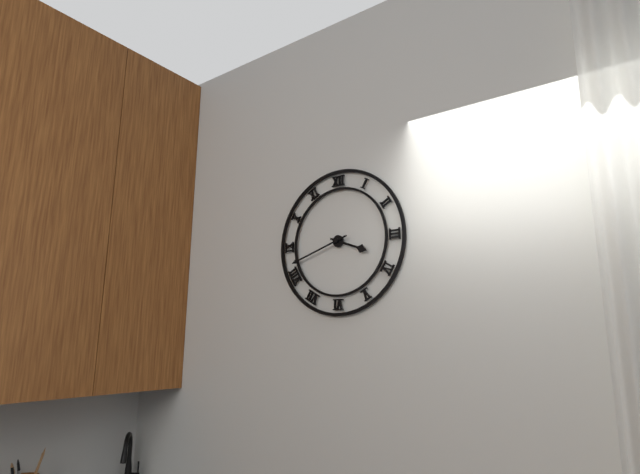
3:42
